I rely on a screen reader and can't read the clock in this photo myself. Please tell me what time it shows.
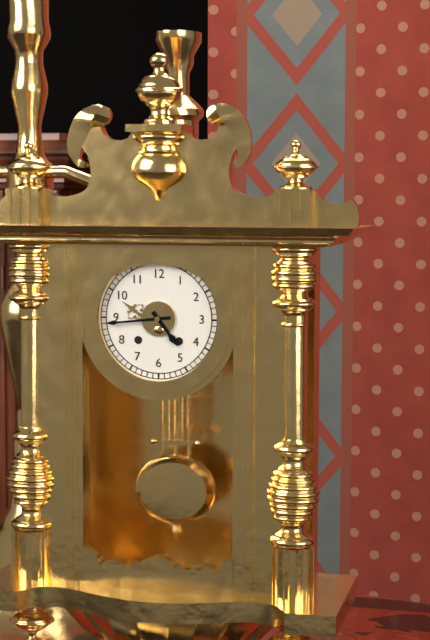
4:44
